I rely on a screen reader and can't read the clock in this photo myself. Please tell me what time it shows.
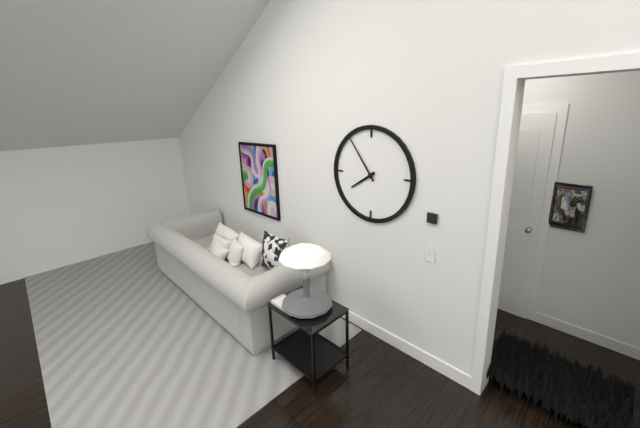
7:54
